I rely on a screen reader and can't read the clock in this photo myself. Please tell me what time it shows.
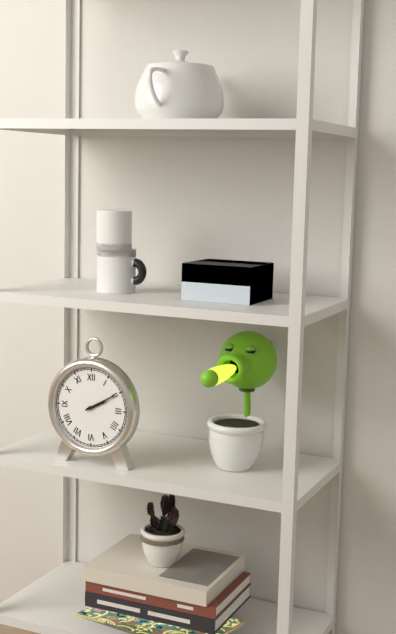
2:10
